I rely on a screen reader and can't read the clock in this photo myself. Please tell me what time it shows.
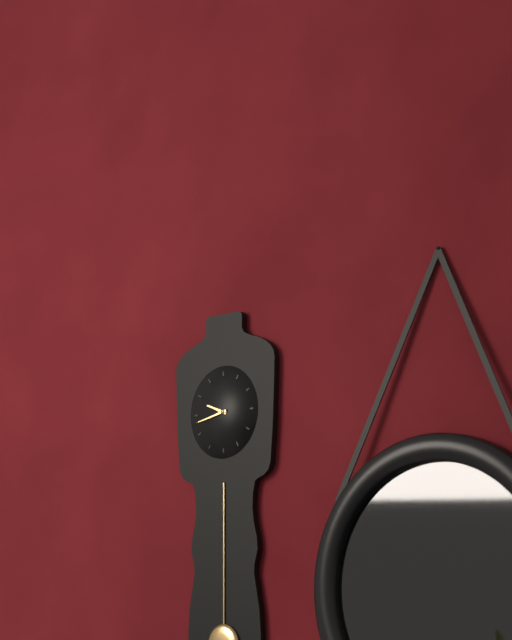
9:43
